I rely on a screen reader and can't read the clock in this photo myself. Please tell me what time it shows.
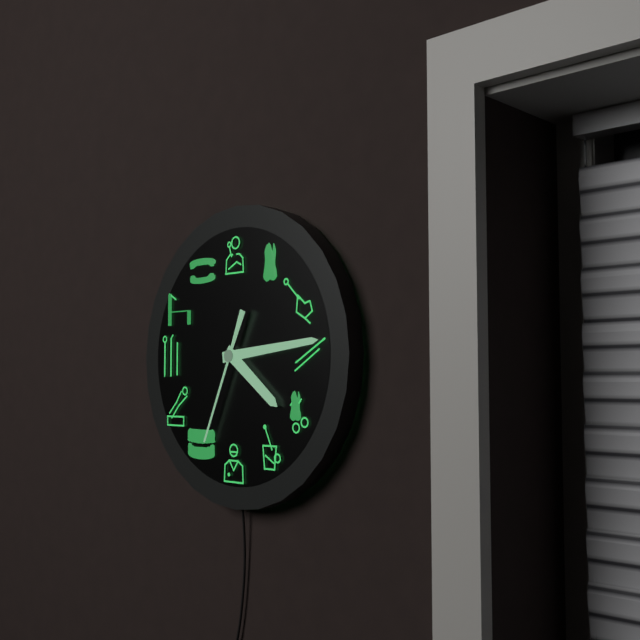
4:14:34
